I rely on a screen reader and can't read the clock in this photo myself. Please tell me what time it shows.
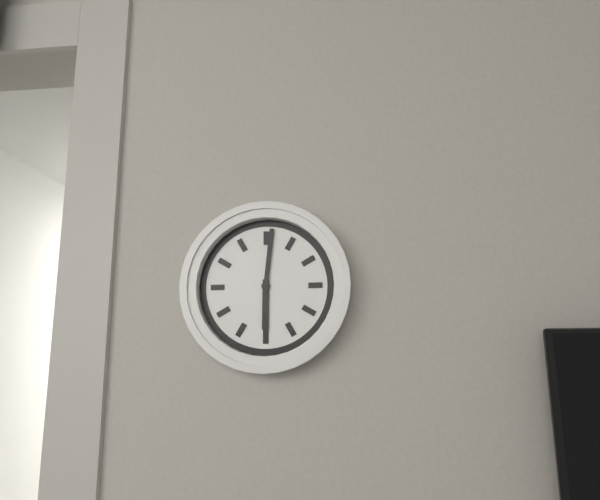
6:01
